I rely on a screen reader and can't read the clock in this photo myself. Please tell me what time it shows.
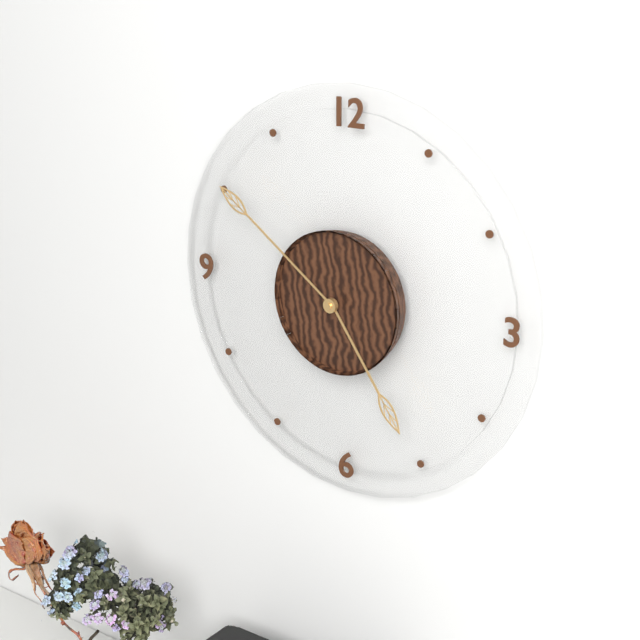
4:51
